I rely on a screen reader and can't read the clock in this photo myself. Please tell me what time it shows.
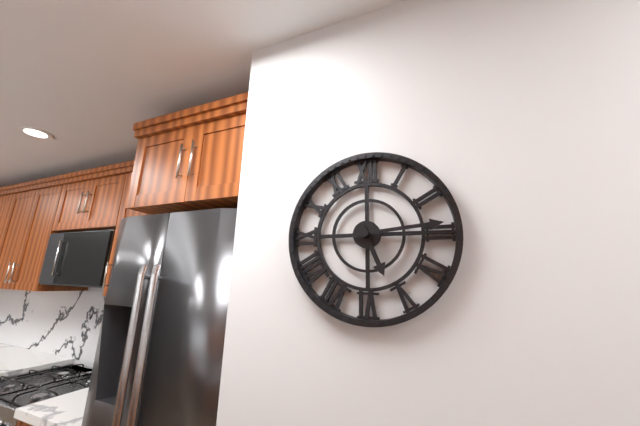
5:14
